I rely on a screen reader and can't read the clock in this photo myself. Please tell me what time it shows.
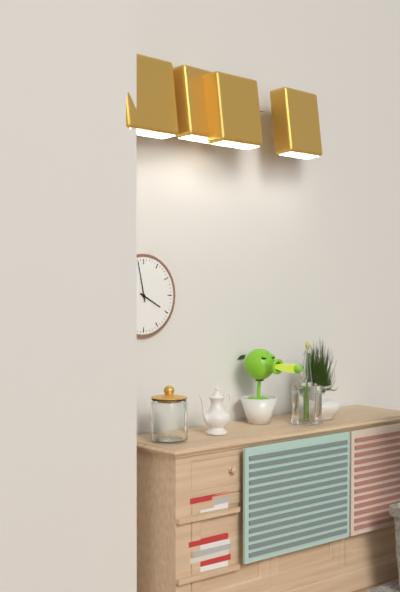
3:58
